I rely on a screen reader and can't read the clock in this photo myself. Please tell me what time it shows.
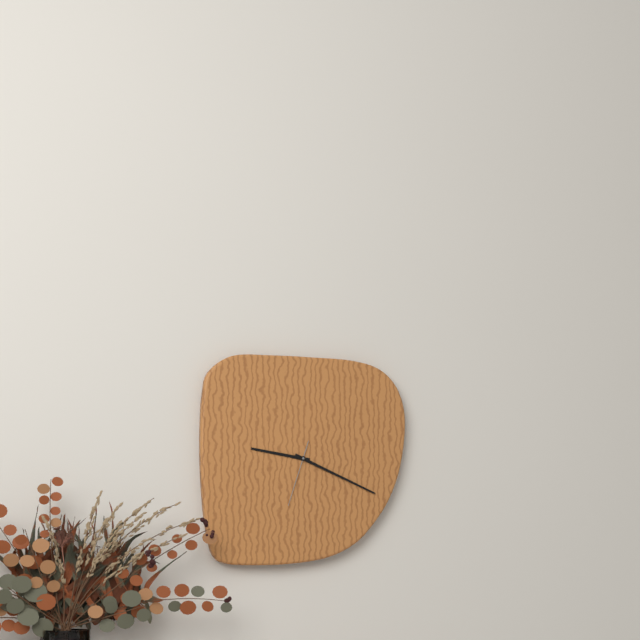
9:19:33
